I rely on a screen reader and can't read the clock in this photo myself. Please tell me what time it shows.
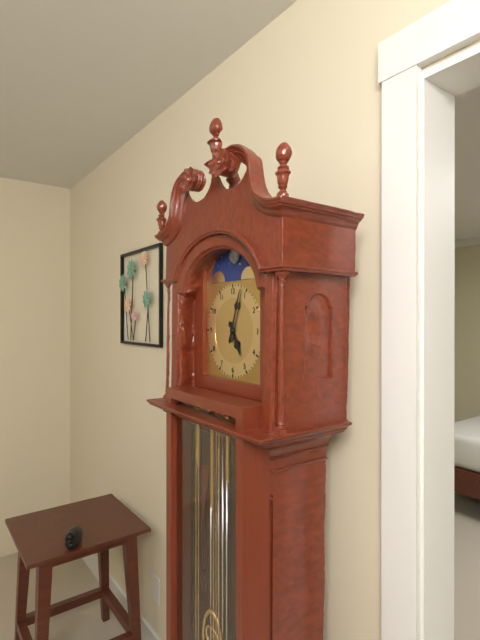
5:03
